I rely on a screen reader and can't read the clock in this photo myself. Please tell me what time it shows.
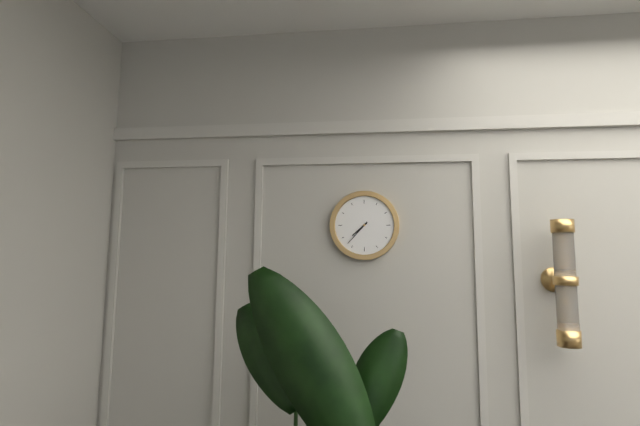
7:37
